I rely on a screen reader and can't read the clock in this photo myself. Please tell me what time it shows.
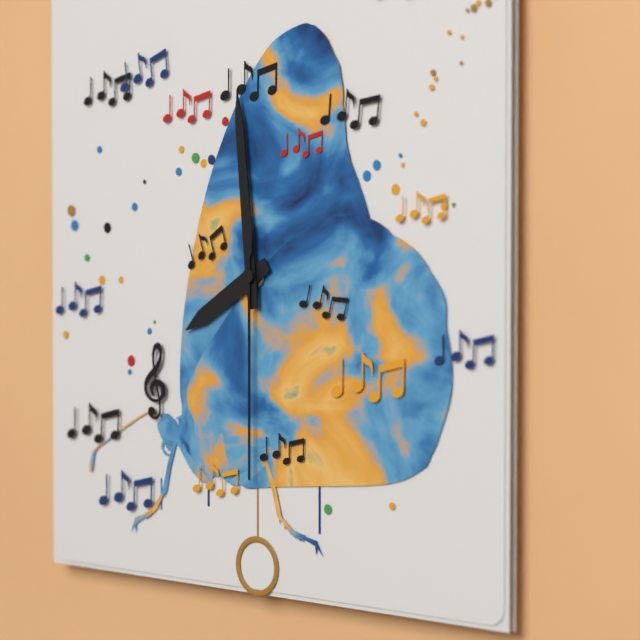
7:59:30
